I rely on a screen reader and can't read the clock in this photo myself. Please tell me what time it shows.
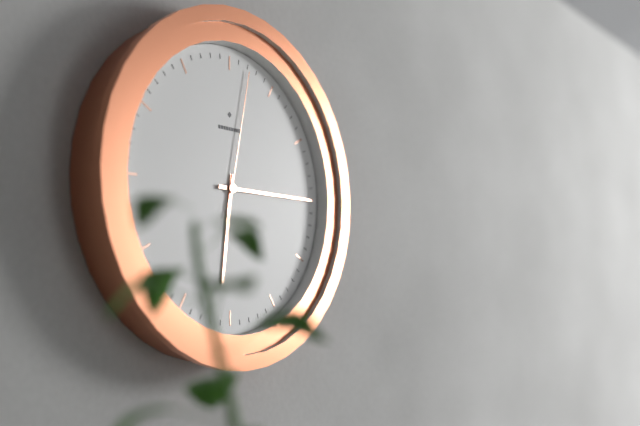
6:15:02
